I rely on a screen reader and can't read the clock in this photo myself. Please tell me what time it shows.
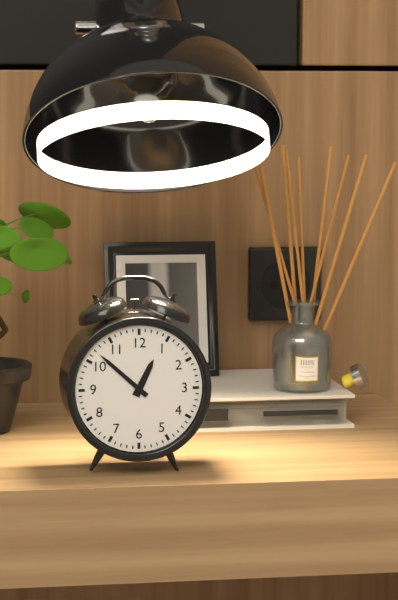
12:52
